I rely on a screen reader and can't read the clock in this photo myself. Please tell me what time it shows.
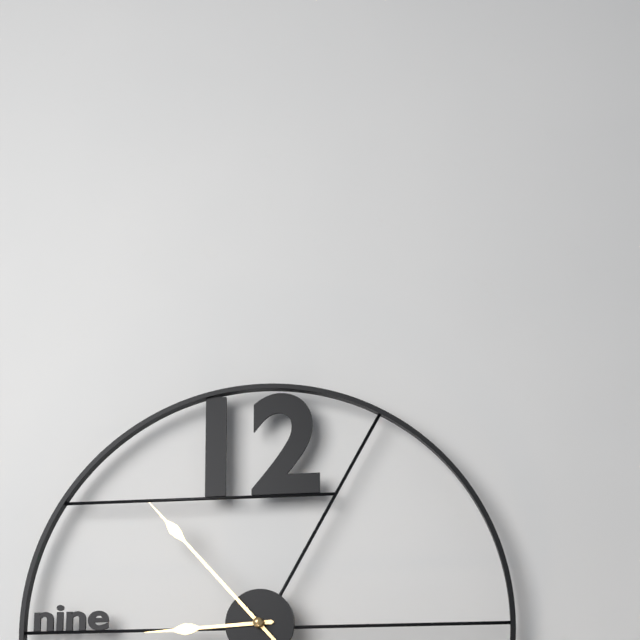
8:53
